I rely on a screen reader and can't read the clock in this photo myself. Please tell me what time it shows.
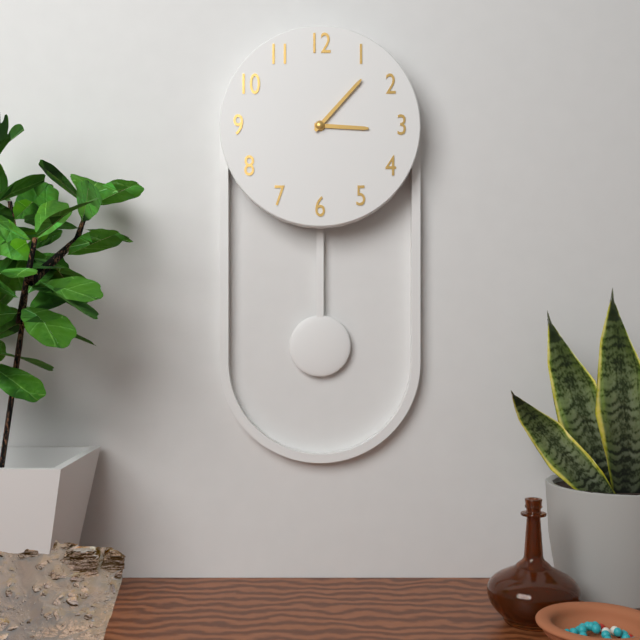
3:07
